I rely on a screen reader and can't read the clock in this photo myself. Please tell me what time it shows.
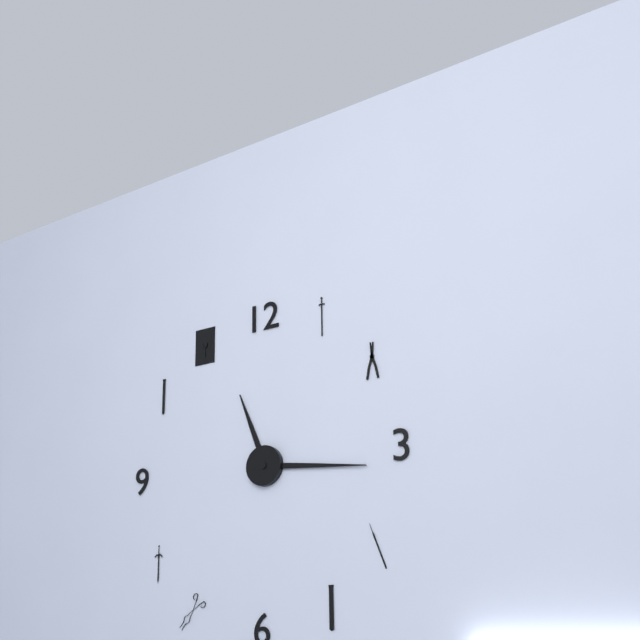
11:16
